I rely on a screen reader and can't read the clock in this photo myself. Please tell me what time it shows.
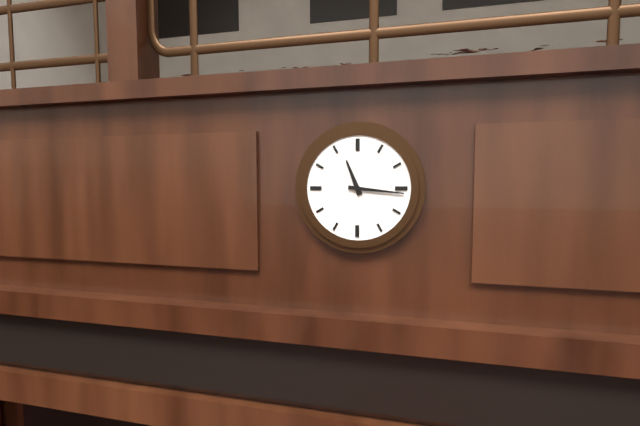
11:16
